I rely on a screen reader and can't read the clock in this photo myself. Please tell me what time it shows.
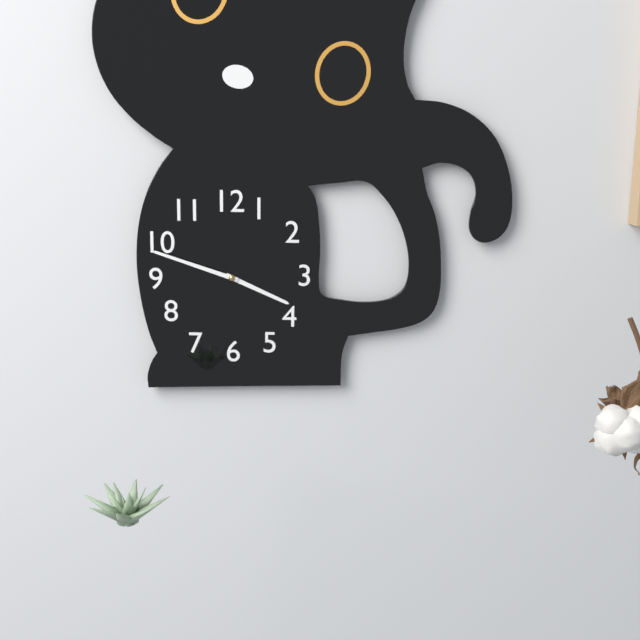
3:48
